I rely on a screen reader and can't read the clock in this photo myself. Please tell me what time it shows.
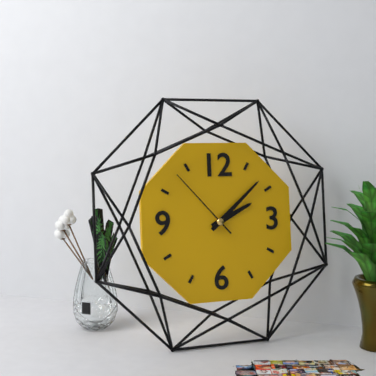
2:08:53
